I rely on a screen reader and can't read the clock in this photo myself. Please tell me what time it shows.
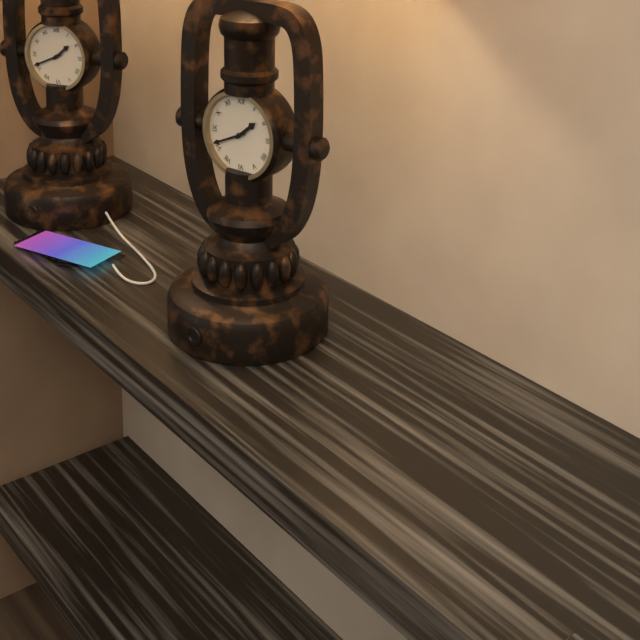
1:41
